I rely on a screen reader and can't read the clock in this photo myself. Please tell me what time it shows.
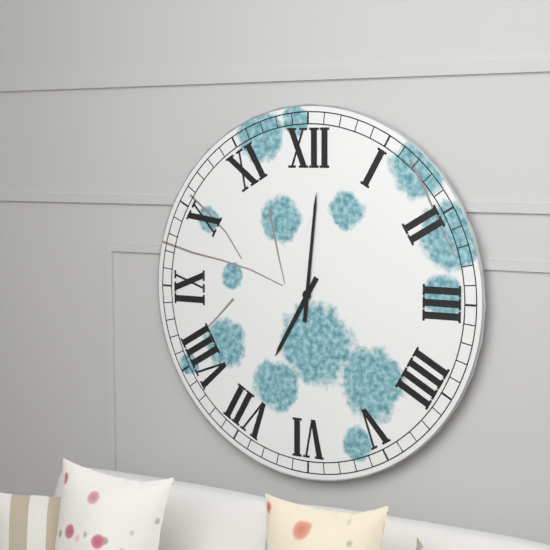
7:01
